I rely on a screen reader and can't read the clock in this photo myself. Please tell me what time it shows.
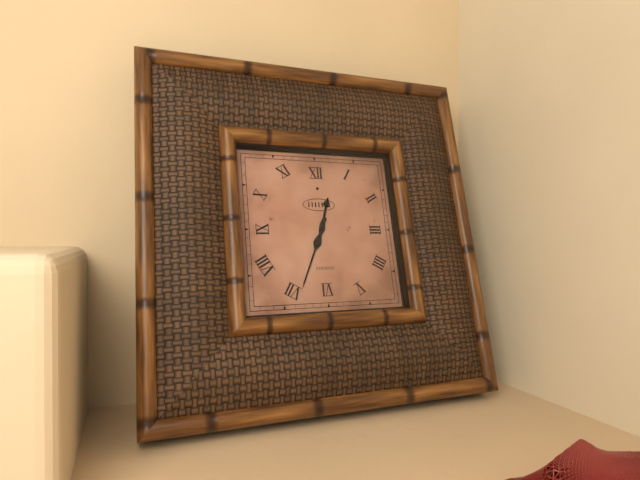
12:34
